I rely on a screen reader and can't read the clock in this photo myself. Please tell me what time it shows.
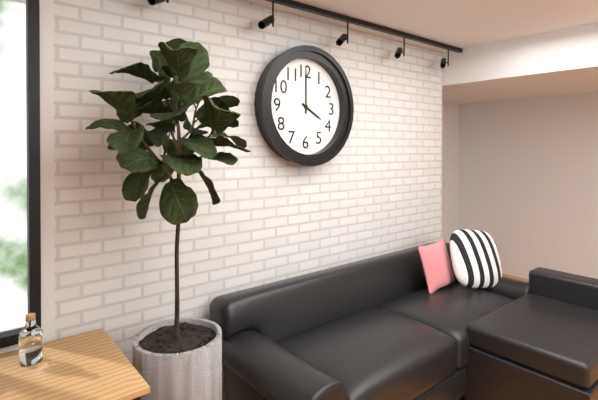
4:00
